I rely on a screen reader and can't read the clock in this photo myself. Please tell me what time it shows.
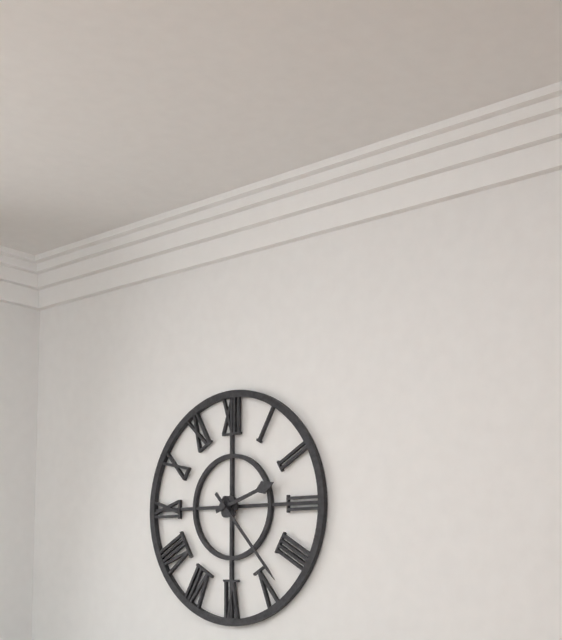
2:23
